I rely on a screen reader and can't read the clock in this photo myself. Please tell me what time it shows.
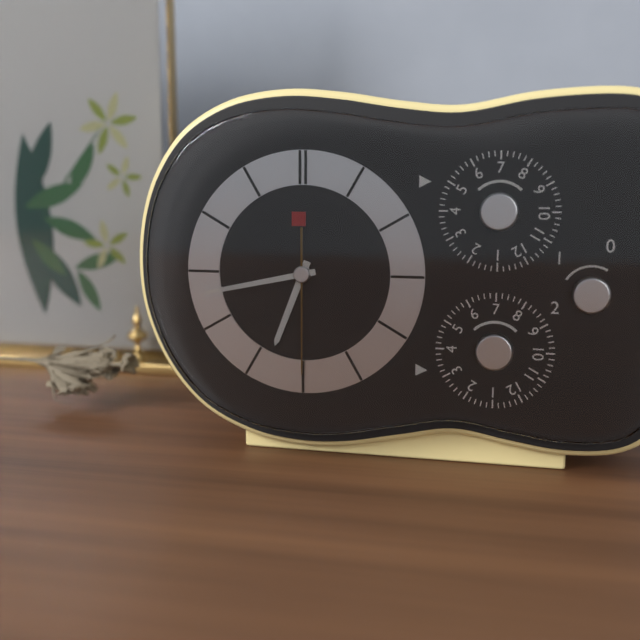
6:43:30
